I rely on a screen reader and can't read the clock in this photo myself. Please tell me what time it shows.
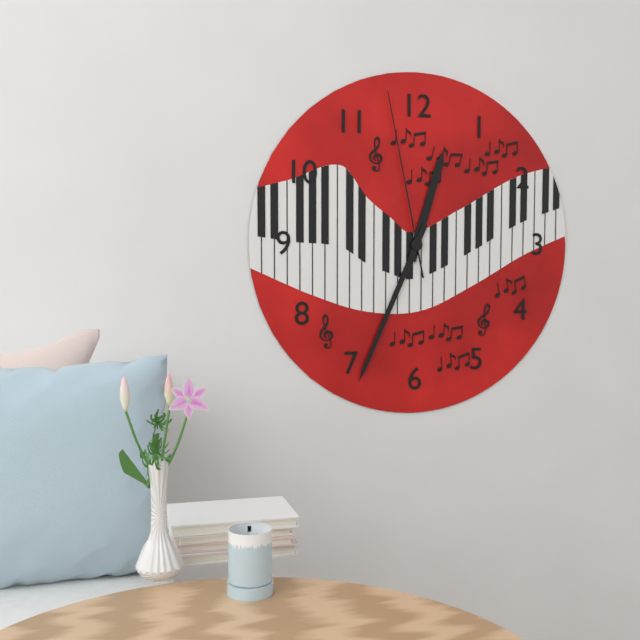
12:34:58
